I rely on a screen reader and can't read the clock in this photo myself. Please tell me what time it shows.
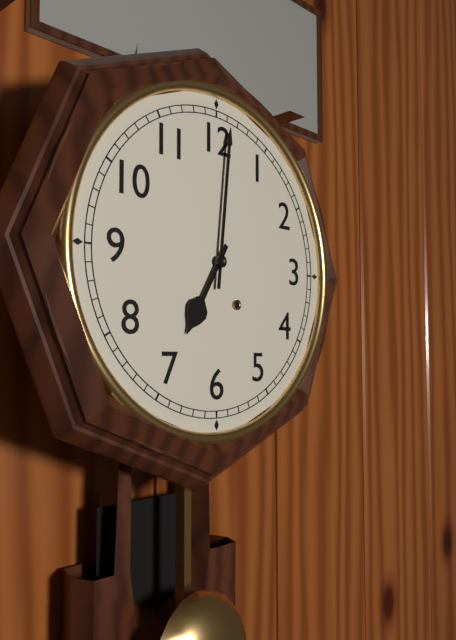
7:01
